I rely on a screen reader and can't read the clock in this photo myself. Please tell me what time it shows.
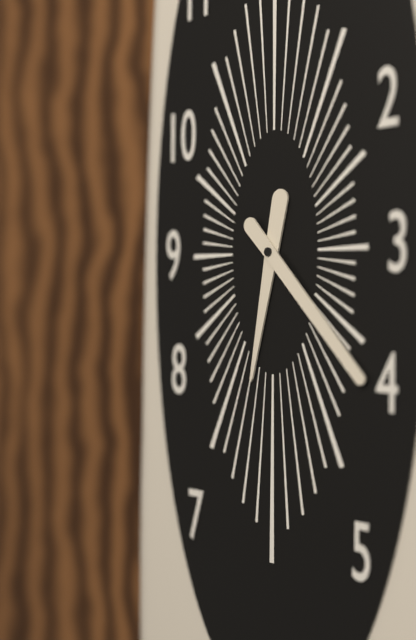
6:23
